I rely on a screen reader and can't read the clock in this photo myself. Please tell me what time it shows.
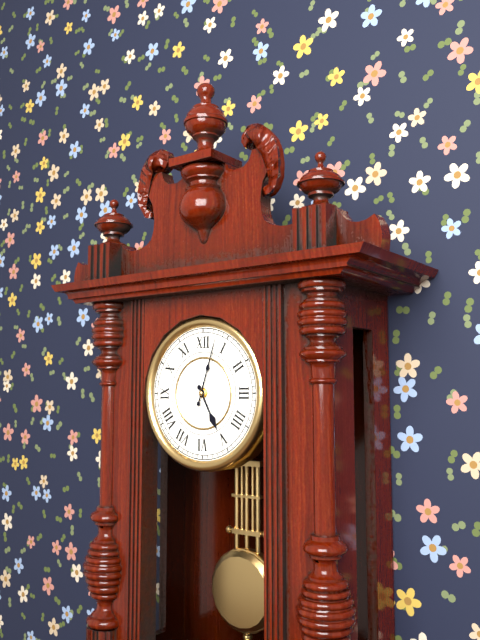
5:03
